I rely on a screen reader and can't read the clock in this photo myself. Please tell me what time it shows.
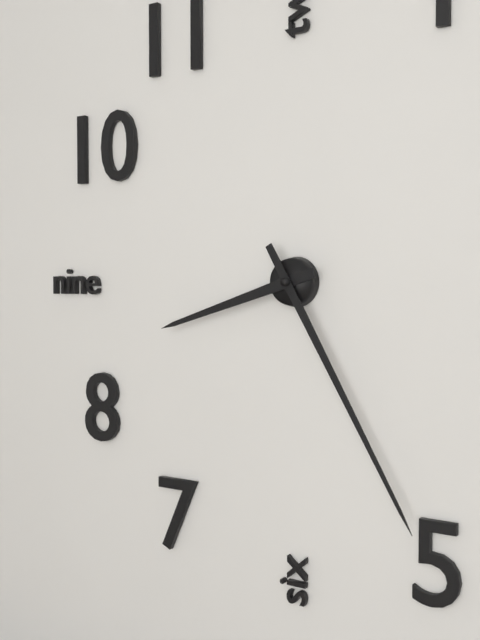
8:25
